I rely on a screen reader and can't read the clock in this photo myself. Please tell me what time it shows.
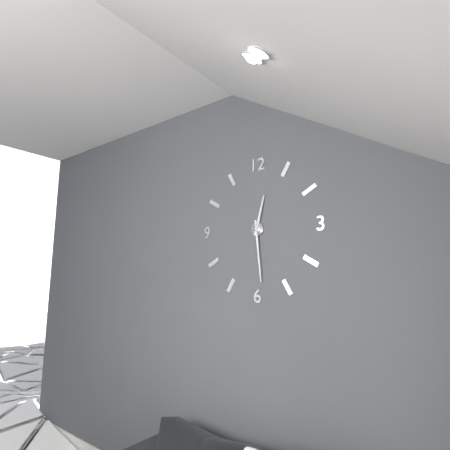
12:29
